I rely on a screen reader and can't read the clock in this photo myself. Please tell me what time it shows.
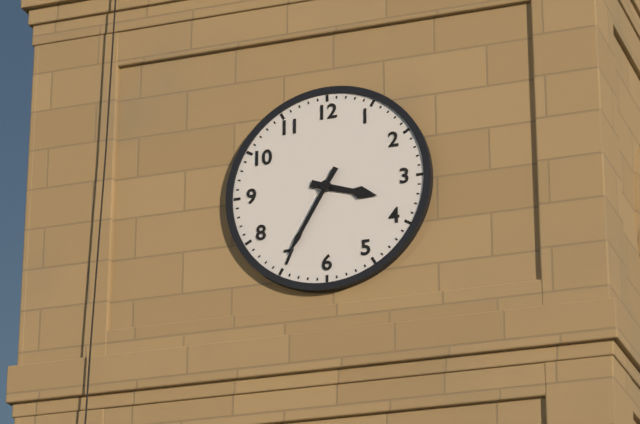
3:35
